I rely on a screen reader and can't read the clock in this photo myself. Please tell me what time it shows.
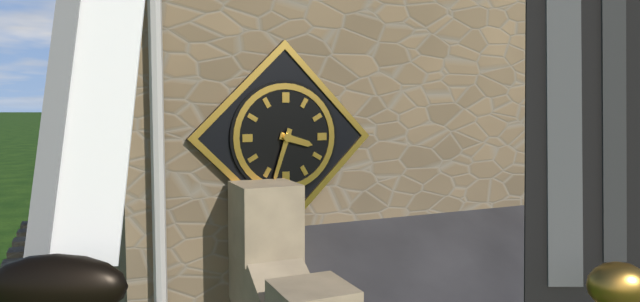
3:33
